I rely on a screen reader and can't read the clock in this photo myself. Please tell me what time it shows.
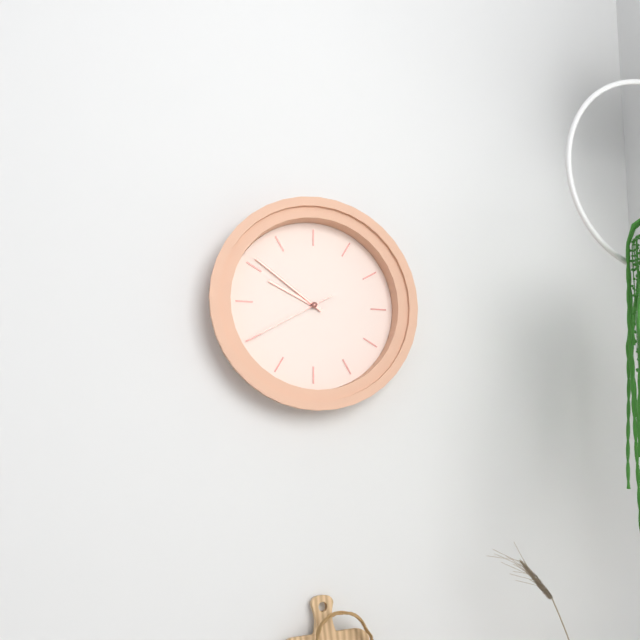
9:51:40
